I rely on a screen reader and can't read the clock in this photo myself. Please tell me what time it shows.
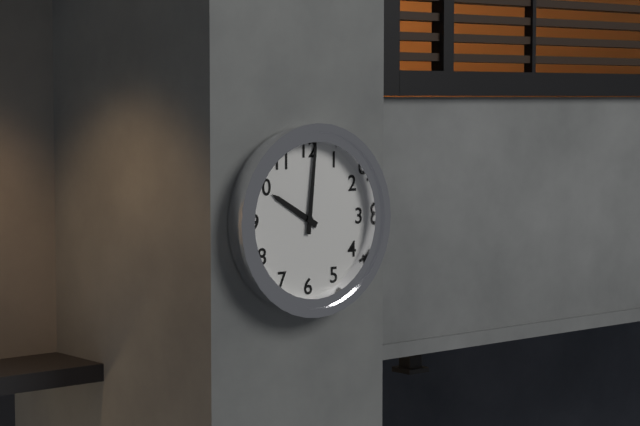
10:01
